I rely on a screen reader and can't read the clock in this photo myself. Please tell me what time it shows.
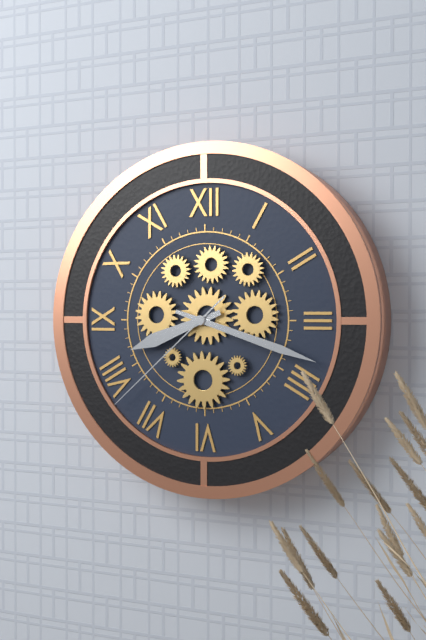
8:18:38
